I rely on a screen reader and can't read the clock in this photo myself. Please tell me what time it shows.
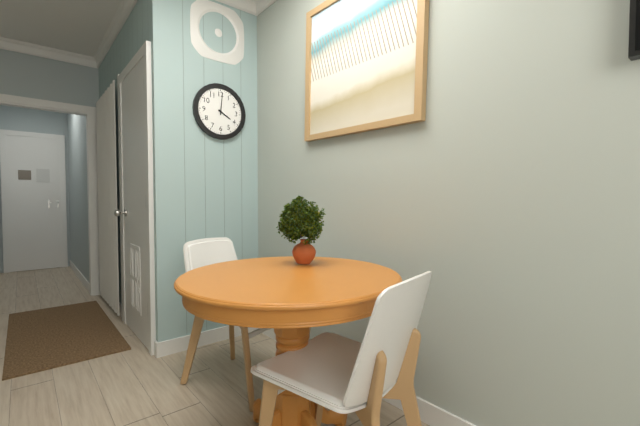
4:01
